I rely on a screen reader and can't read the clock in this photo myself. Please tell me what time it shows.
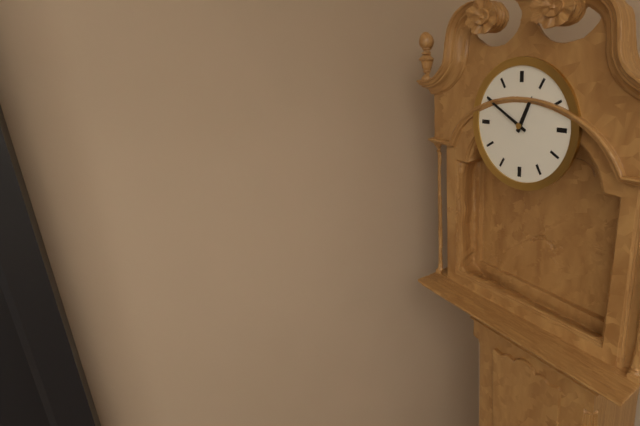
12:50
